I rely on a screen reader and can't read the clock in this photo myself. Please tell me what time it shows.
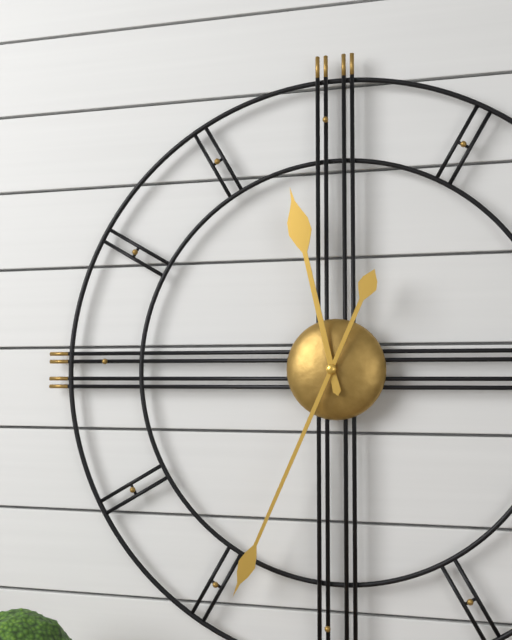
11:34
